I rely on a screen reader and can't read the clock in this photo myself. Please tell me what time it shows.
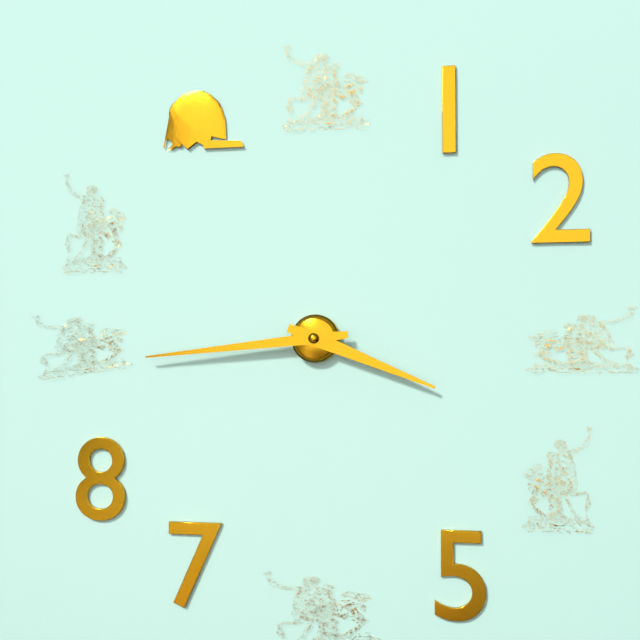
3:44
